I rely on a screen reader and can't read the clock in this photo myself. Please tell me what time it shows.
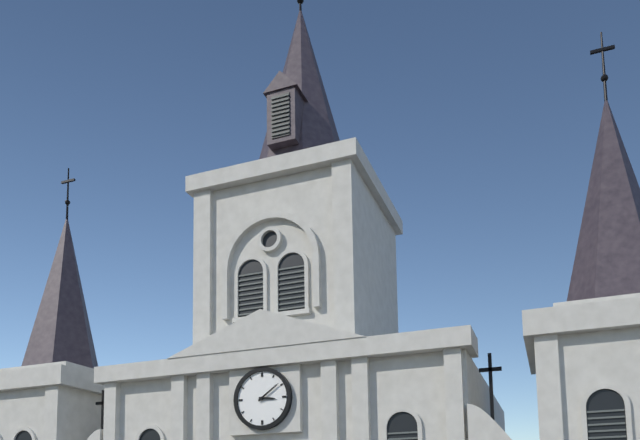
3:09
